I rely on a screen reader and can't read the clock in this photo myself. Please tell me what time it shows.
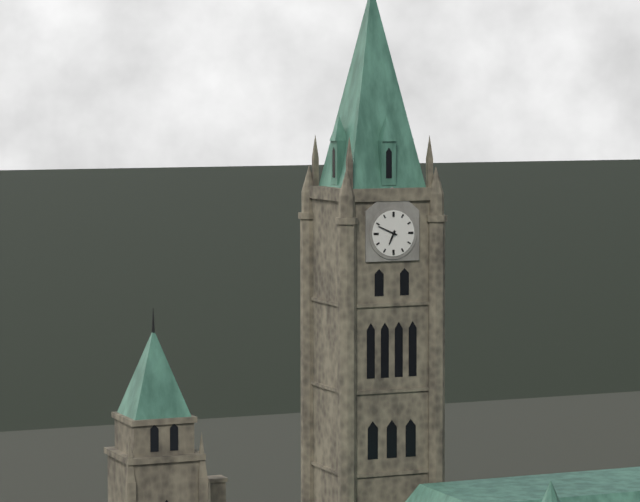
6:49
